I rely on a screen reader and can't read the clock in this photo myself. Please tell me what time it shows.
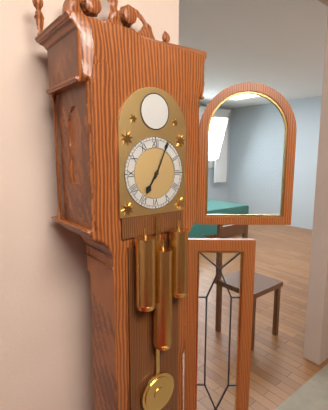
7:04
